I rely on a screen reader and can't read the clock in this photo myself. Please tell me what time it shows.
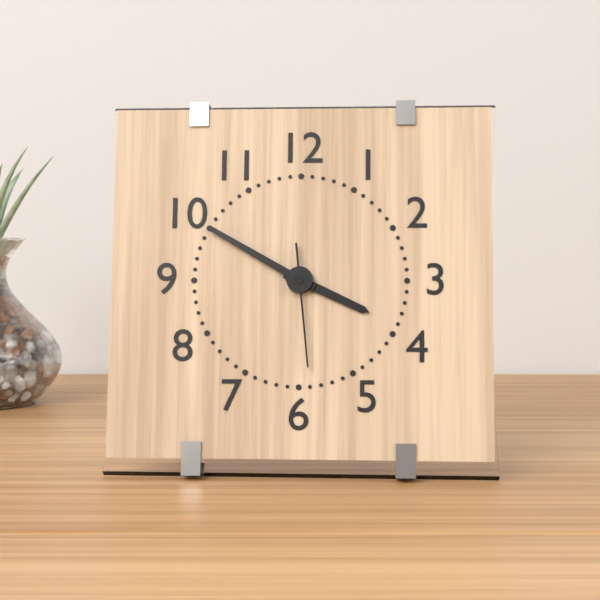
3:50:29
